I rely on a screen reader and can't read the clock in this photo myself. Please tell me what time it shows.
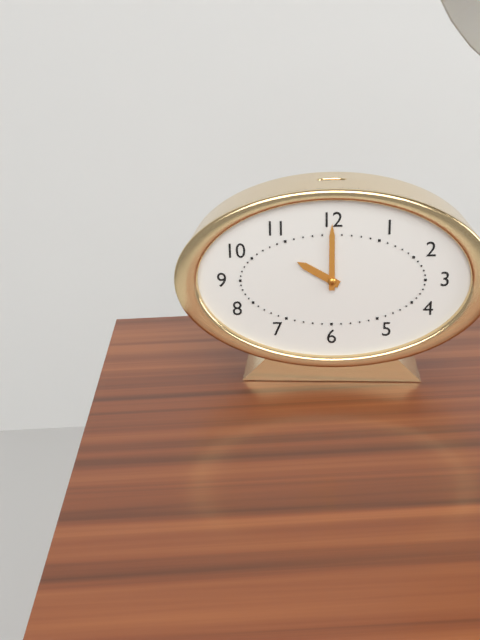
10:00
